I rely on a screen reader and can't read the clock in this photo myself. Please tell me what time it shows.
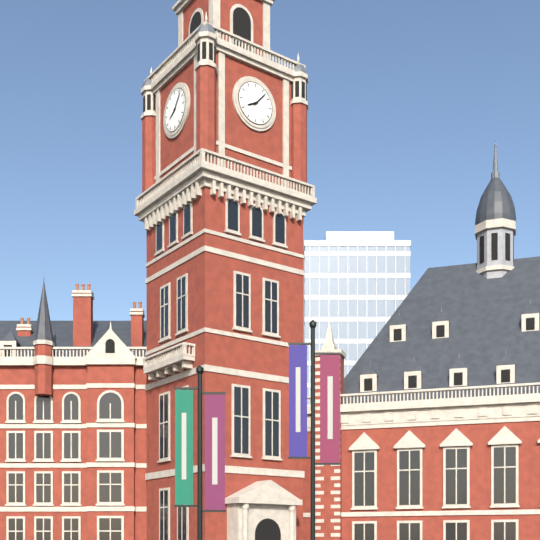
8:07
